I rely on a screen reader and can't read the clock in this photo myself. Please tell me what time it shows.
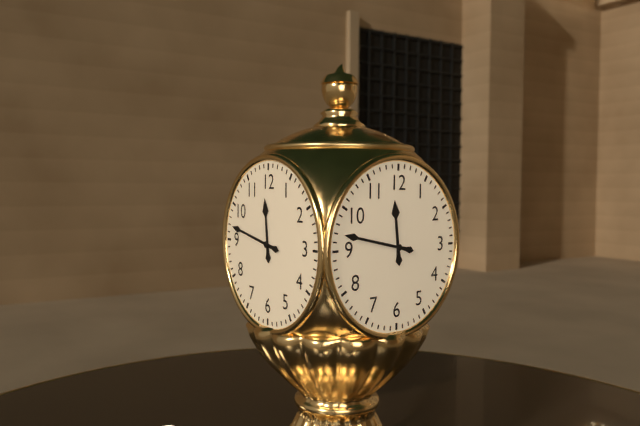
11:47
